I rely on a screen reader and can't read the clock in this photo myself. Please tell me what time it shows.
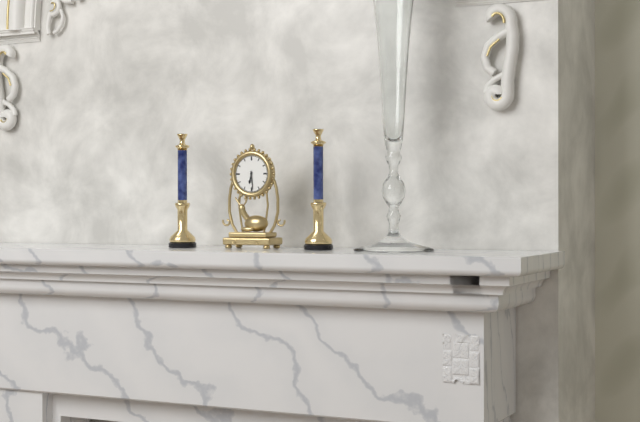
6:29
